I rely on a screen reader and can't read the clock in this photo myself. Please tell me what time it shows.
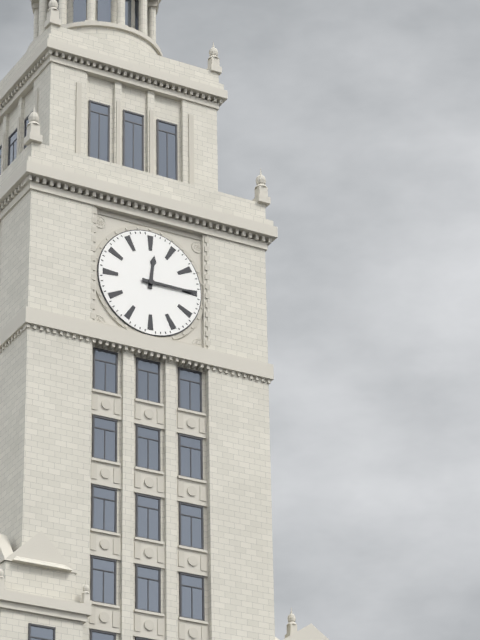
12:15
